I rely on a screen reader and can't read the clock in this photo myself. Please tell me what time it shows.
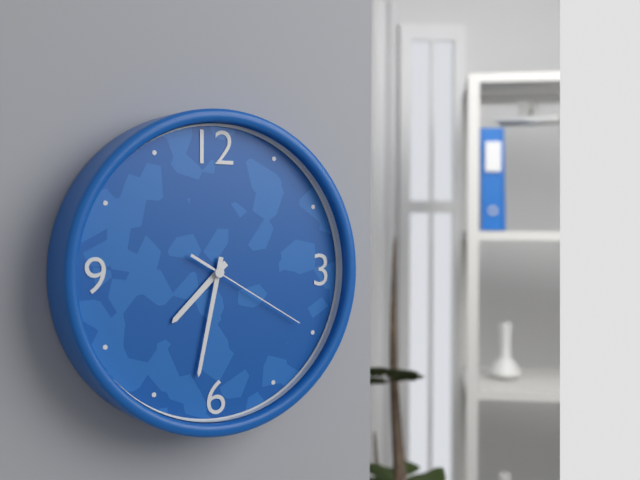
7:32:20
